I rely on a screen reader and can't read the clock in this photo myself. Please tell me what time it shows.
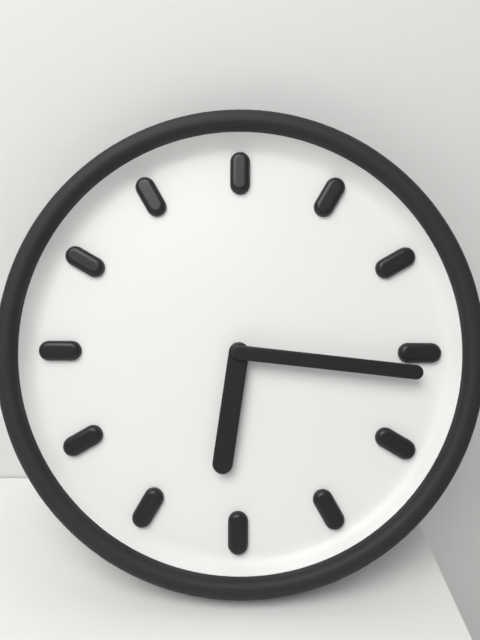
6:16
